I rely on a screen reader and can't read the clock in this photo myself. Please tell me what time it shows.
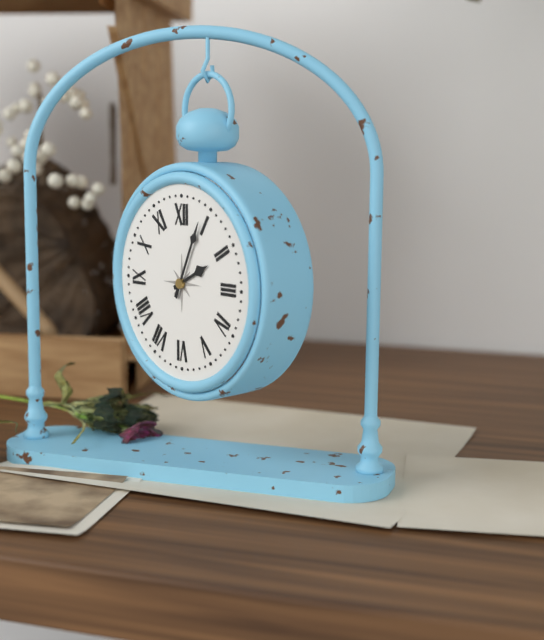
2:04
